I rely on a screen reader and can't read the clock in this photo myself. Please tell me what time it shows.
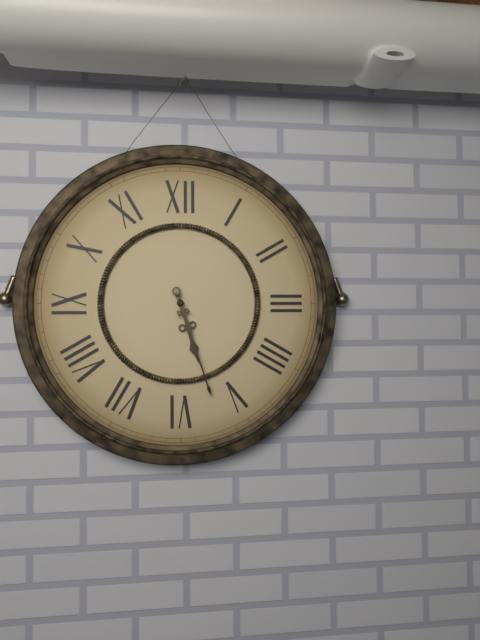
5:27
